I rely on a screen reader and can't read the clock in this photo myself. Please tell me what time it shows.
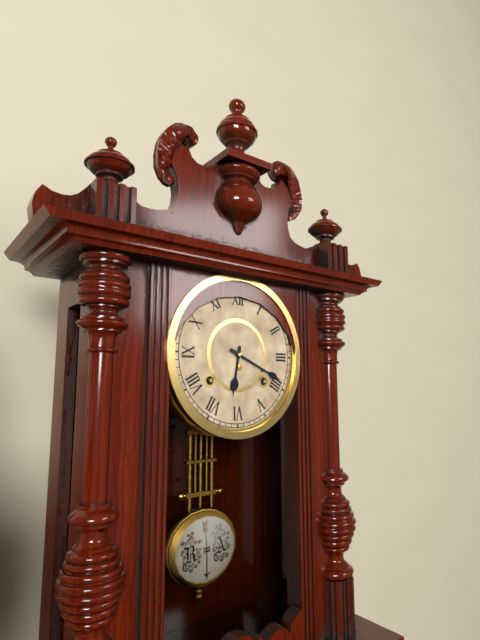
6:19
